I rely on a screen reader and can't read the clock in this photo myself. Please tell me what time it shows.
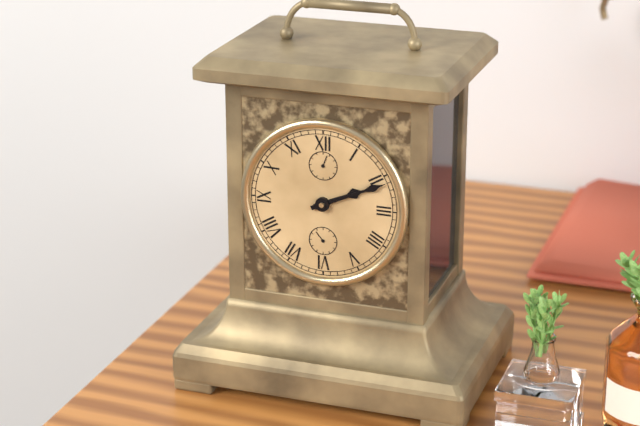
2:11
